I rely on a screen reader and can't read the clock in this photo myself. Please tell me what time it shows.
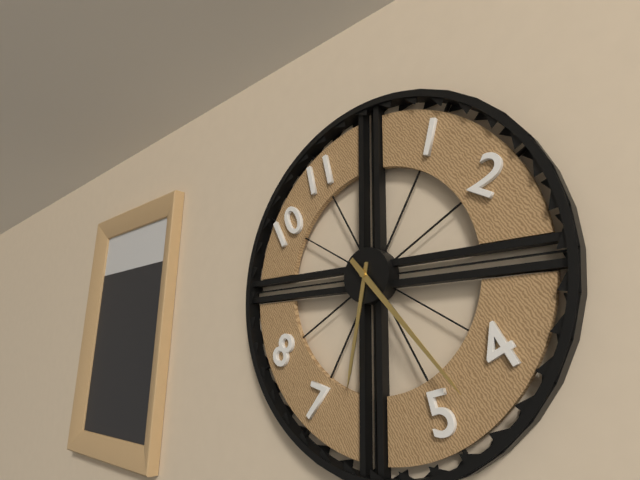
6:23
